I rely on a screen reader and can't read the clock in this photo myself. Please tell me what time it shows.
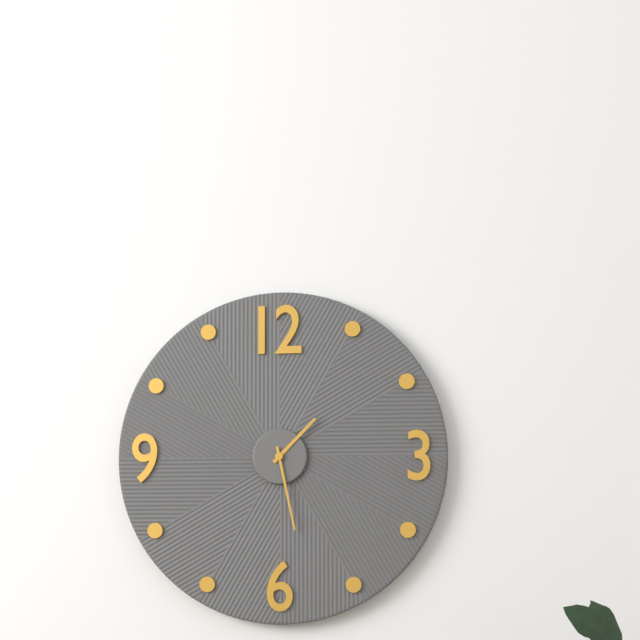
1:28
